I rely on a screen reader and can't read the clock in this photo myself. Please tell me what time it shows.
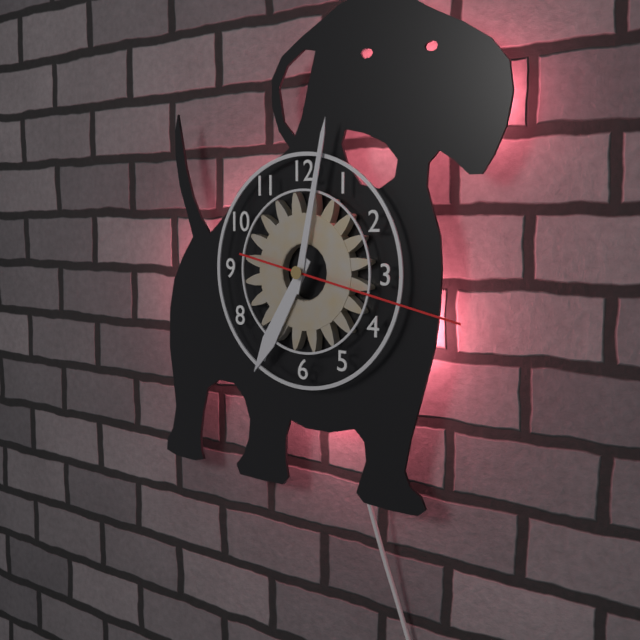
7:02:17
